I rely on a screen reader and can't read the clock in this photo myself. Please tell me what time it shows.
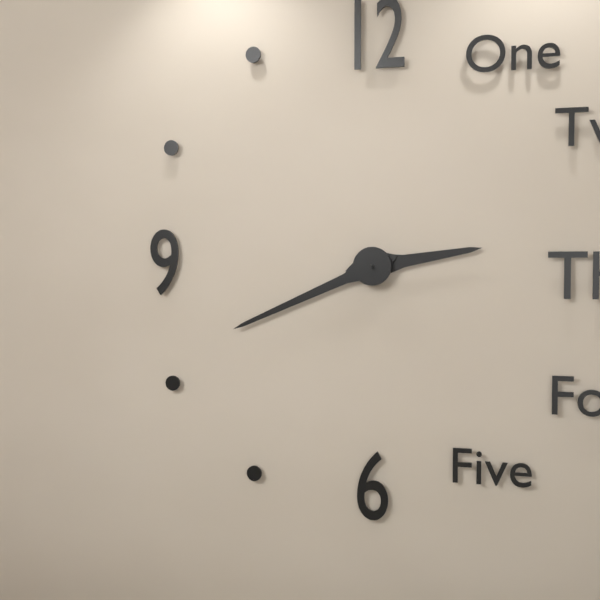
2:41
